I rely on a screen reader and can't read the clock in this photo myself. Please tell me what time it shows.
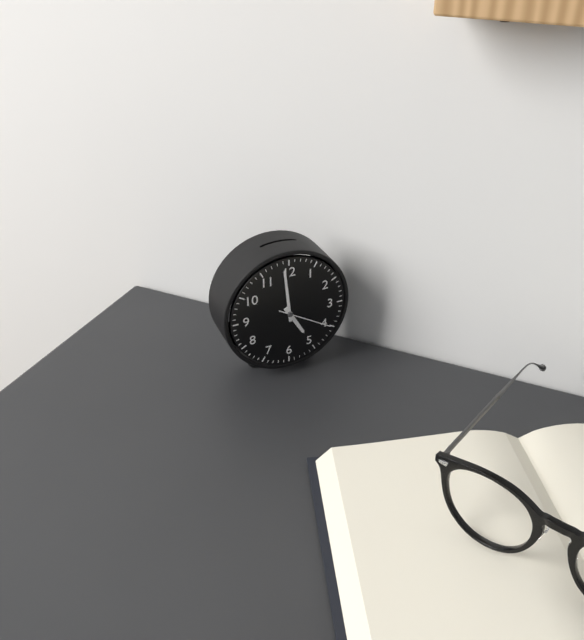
4:59:20
